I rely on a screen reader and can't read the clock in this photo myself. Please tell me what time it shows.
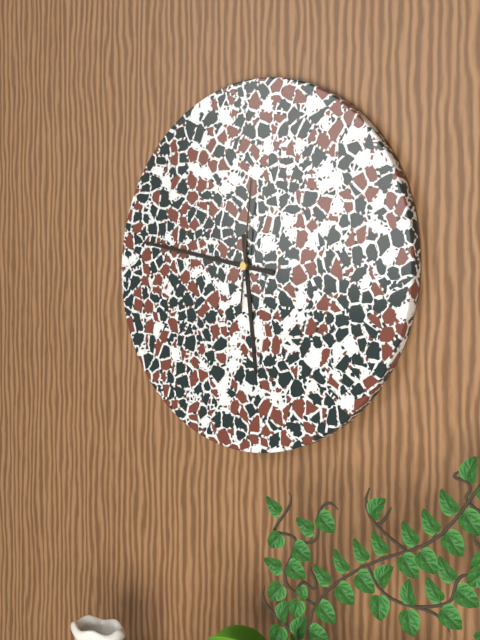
5:47:01
